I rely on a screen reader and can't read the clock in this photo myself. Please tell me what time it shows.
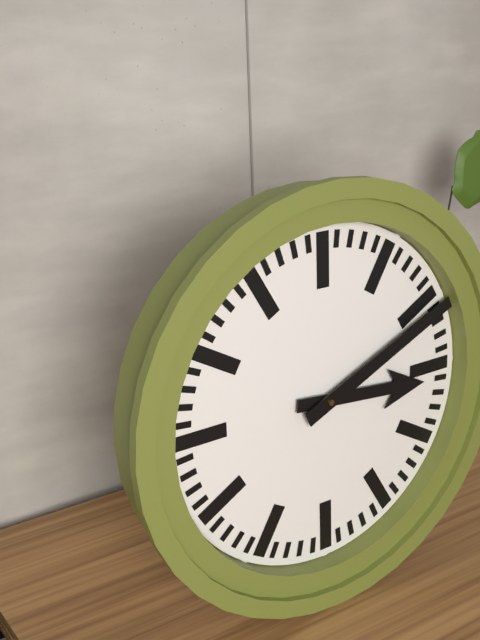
3:11
